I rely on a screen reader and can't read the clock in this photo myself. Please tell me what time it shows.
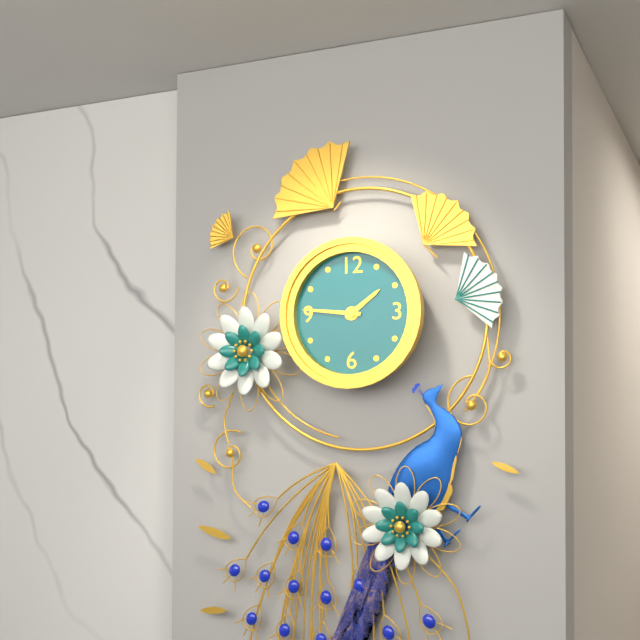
1:46
